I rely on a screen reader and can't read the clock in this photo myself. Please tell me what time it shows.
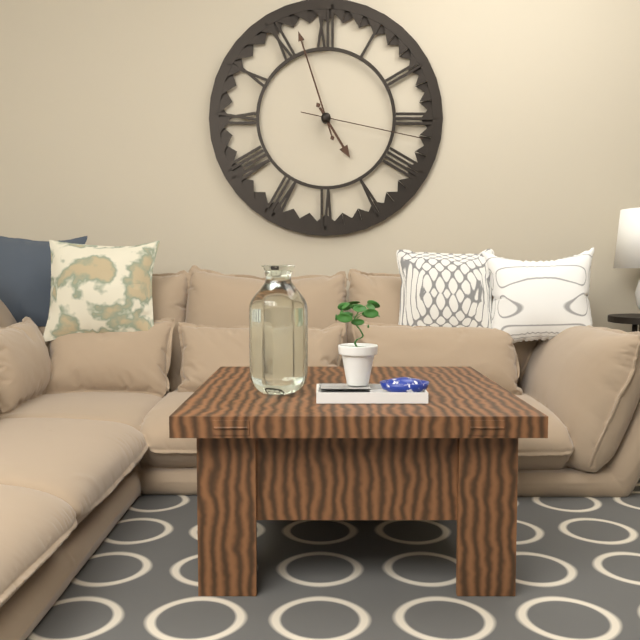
4:57:17
